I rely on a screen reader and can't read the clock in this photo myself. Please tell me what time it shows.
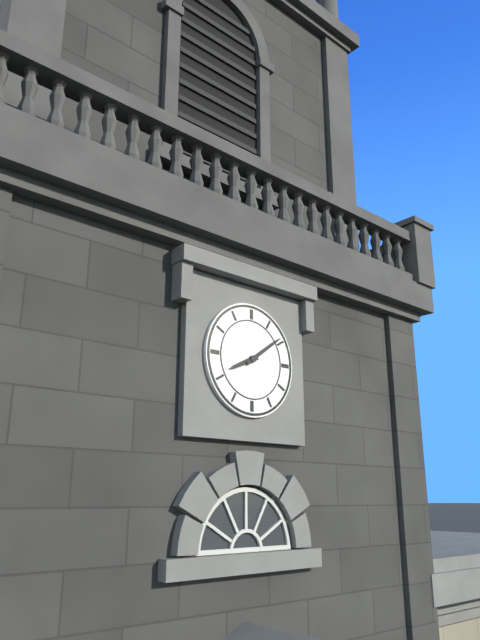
8:09
